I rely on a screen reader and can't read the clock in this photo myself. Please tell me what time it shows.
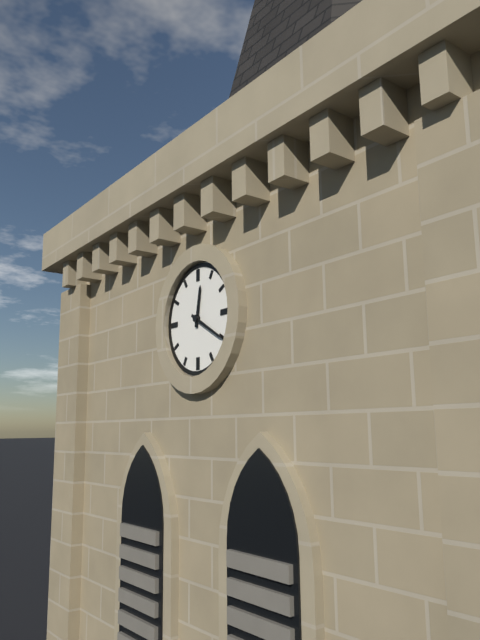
12:20
